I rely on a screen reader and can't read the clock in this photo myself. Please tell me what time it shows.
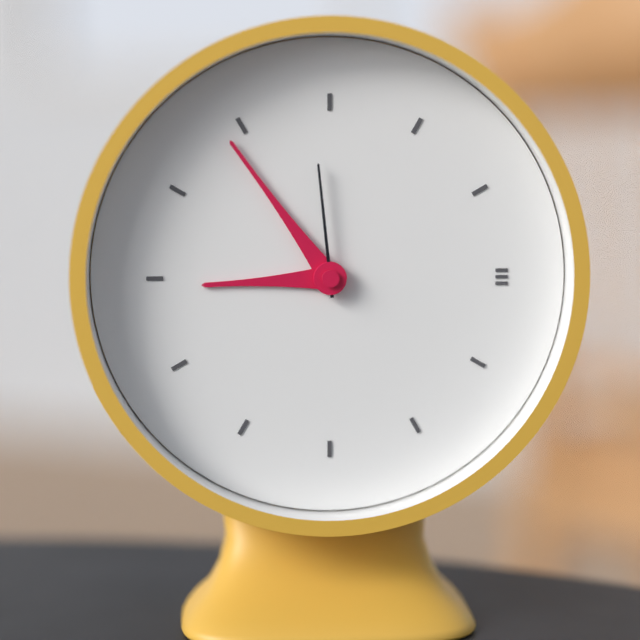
8:54:59
